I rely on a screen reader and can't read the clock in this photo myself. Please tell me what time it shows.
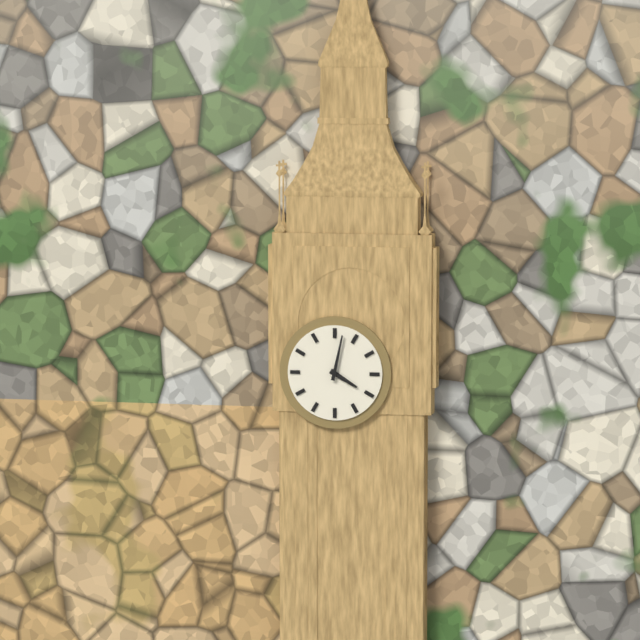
4:02
